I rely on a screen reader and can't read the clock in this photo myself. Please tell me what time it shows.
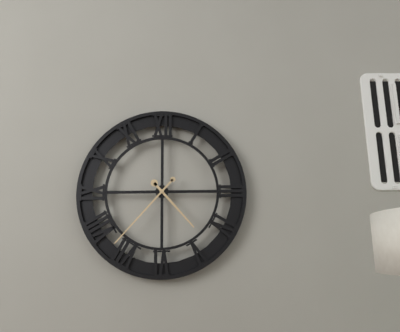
4:37
